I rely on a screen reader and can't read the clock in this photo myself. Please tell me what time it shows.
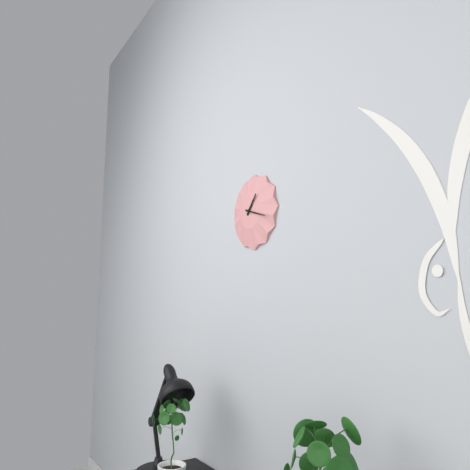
1:18
